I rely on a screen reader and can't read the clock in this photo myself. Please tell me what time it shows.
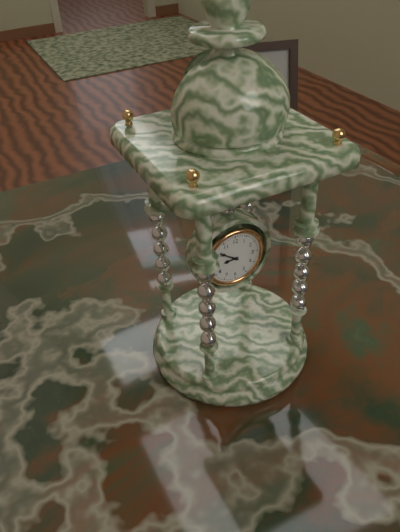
8:51
